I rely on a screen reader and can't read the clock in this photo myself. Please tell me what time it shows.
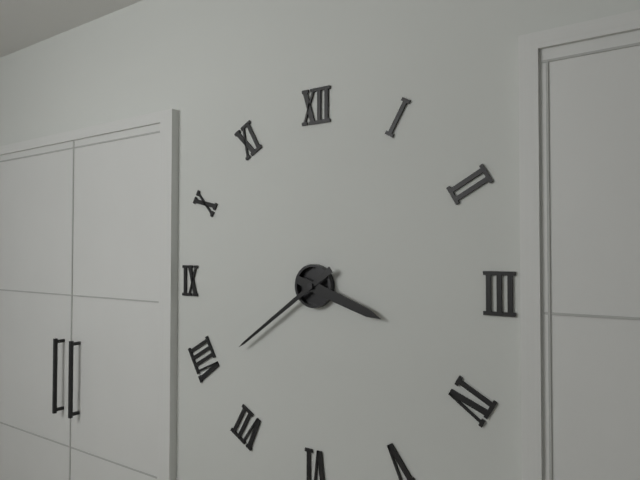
3:39
